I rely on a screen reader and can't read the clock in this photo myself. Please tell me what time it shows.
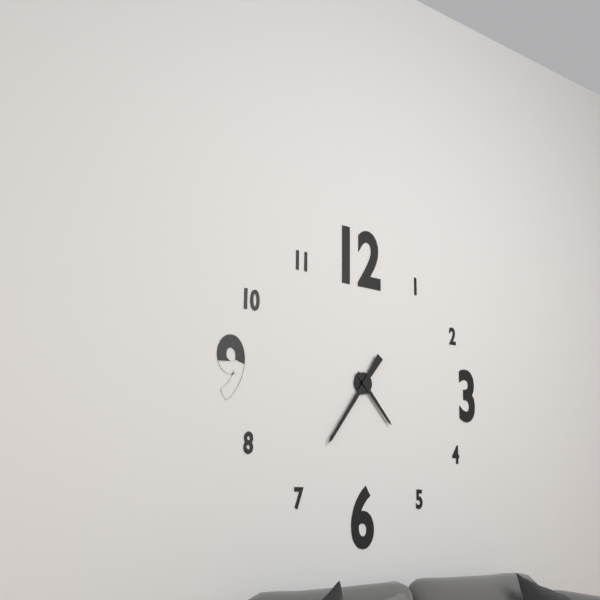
4:36
